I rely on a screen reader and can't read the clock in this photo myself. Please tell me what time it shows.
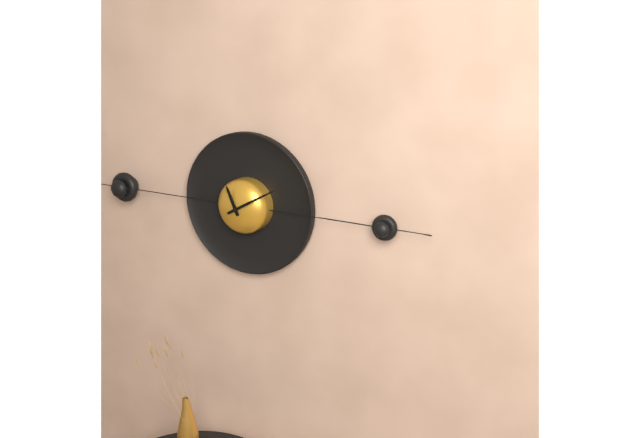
11:10
